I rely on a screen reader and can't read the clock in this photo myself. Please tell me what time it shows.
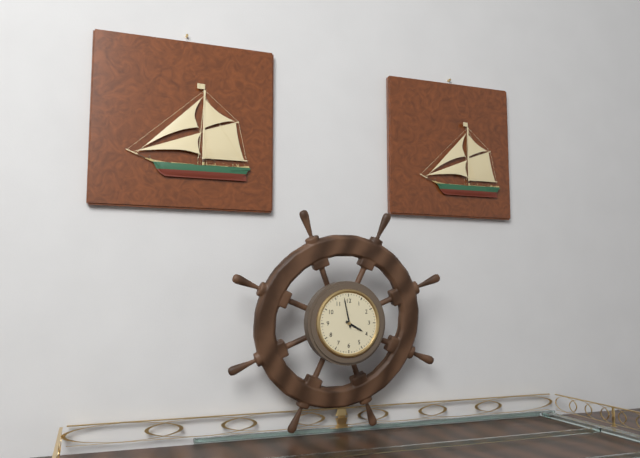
3:58
